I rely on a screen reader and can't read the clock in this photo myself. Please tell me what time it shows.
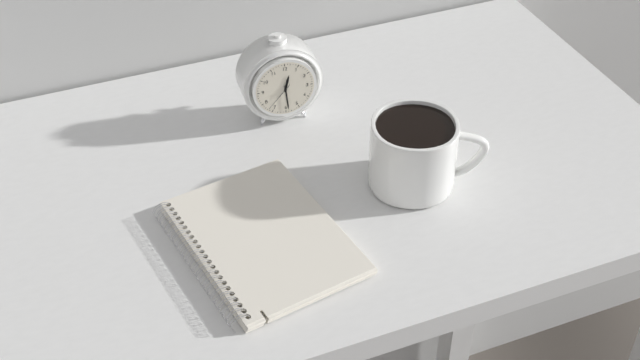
12:29
